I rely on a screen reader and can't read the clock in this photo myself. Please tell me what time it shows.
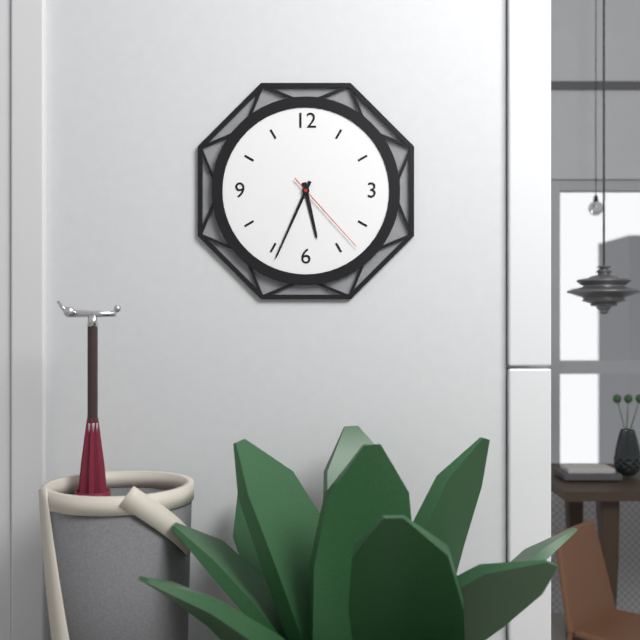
5:34:23
